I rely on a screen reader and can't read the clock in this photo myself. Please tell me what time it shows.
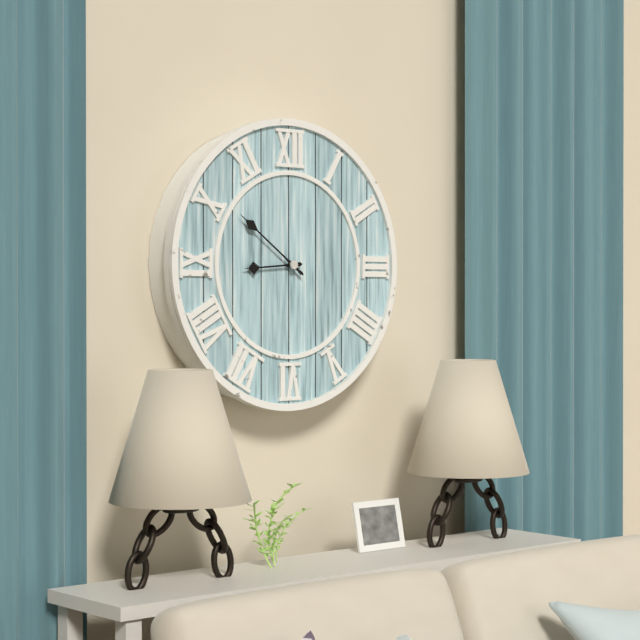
8:51
